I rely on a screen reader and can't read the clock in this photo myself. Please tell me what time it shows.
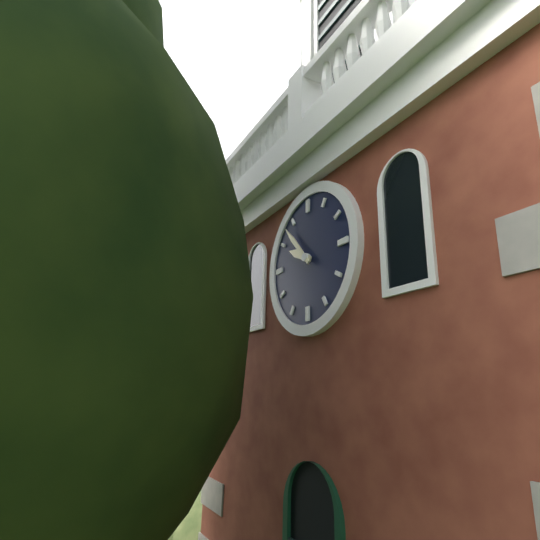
9:53
